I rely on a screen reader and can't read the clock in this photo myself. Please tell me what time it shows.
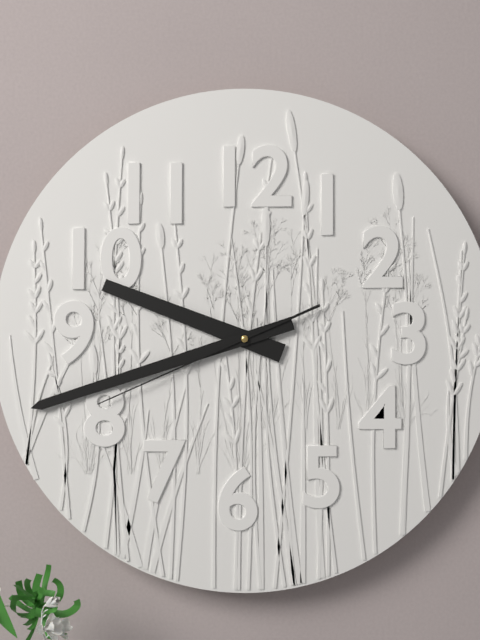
9:42:41
